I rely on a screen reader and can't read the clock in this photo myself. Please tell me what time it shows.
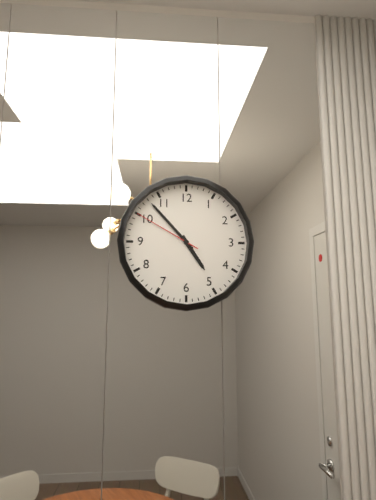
4:53:50
